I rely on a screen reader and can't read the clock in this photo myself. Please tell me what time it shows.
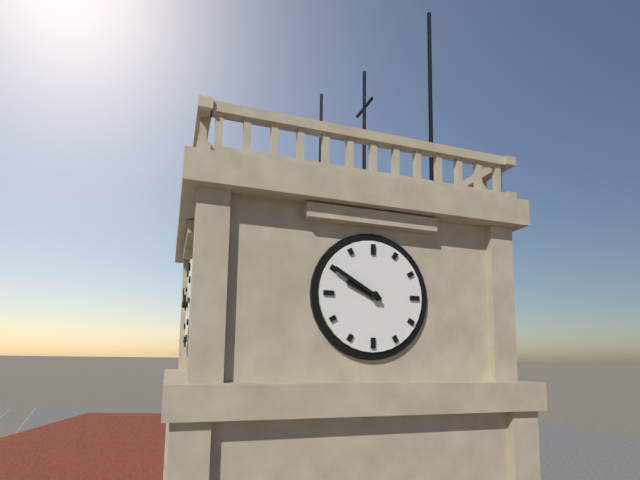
9:50
